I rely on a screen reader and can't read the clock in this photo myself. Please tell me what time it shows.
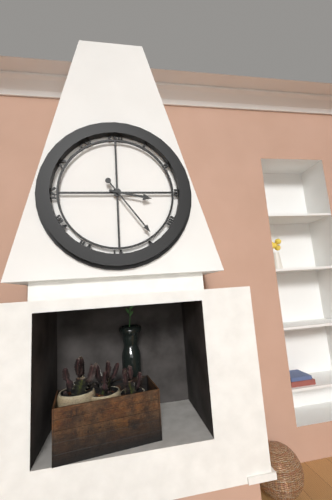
3:24
